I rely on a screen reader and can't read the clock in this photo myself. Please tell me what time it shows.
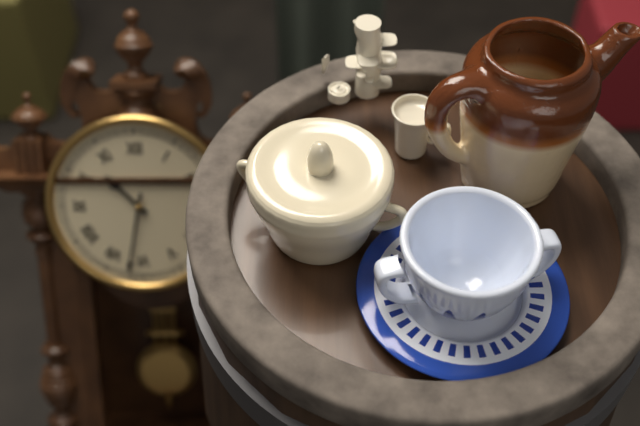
10:32
